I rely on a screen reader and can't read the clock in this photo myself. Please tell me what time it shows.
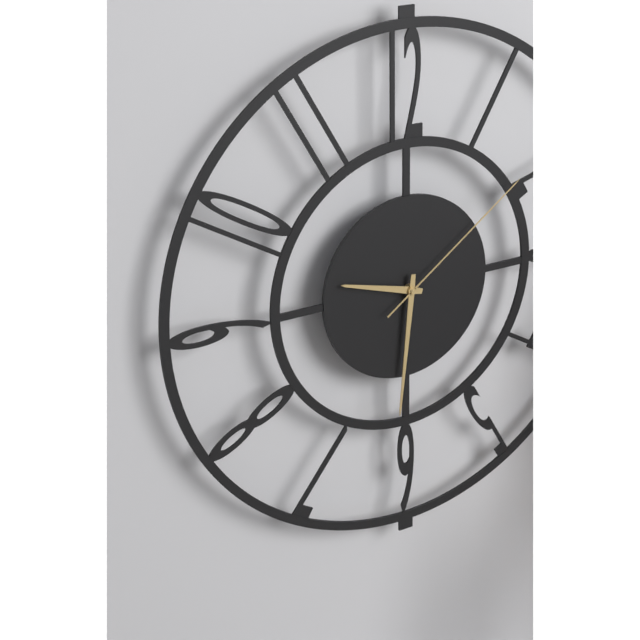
9:31:09
